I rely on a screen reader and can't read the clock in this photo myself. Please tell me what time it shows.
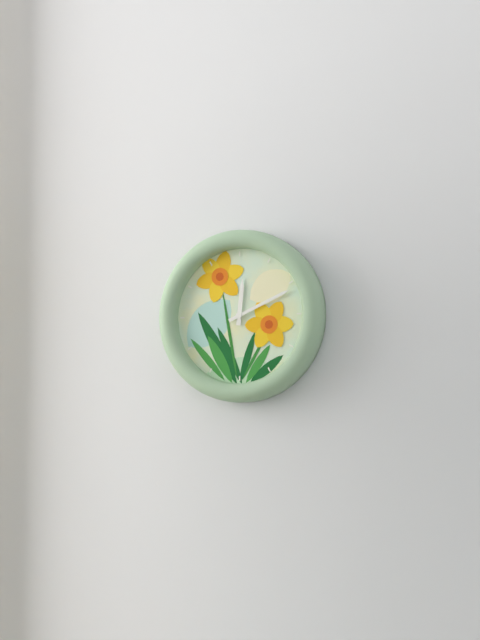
12:11
